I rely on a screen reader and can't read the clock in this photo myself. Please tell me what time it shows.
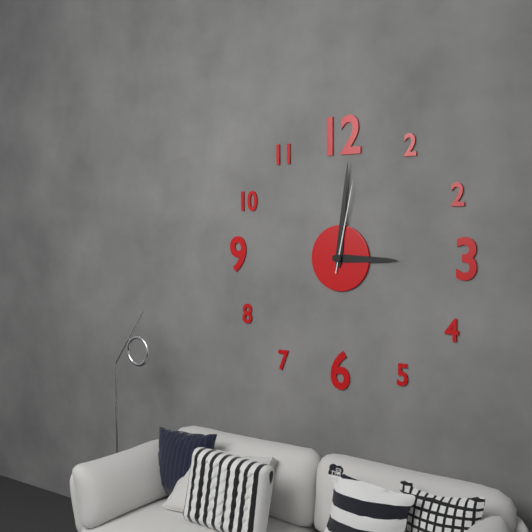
3:01:02
